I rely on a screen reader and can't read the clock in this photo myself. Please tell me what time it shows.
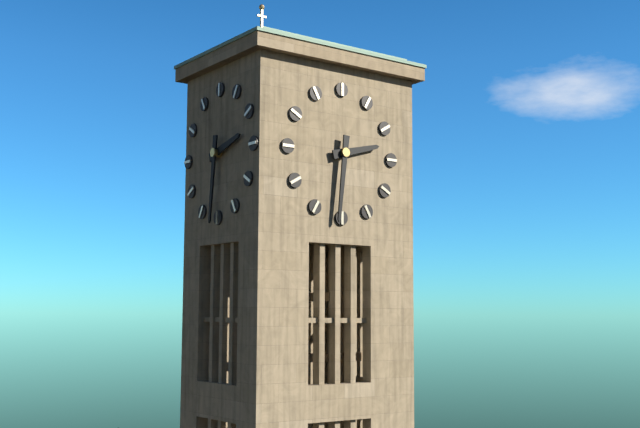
2:31
